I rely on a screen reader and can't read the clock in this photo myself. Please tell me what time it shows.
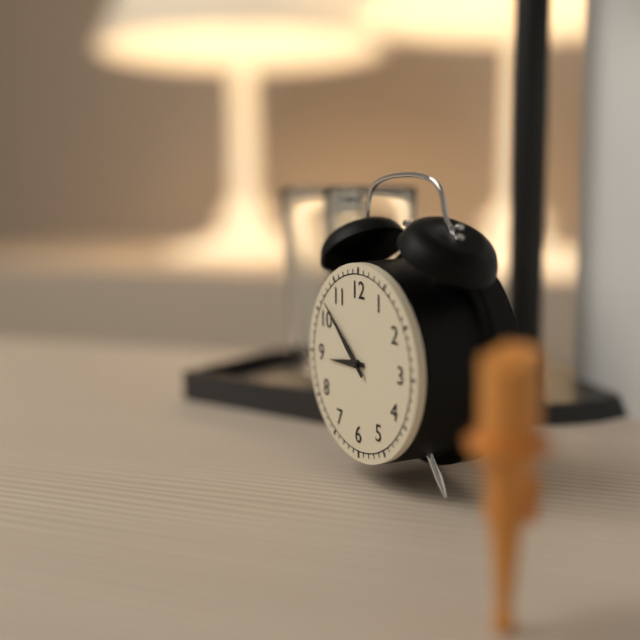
8:52
